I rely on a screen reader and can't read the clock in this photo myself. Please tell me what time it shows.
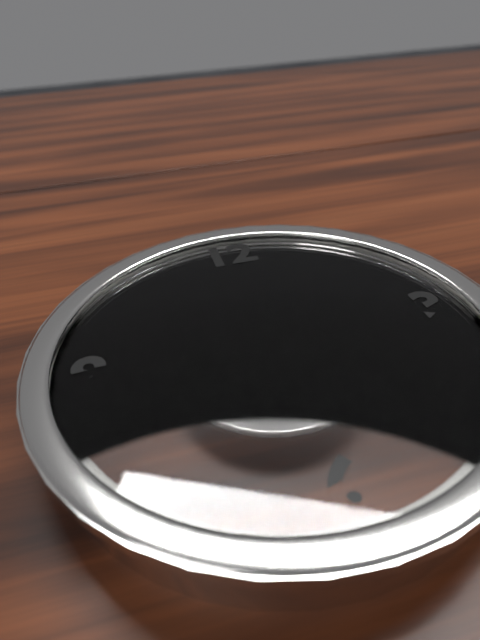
10:52
